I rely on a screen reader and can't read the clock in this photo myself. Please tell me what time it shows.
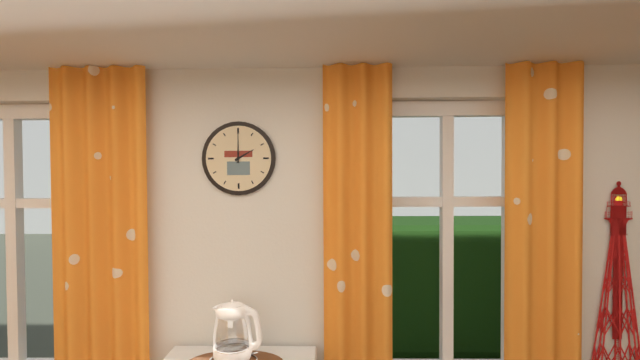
2:00
